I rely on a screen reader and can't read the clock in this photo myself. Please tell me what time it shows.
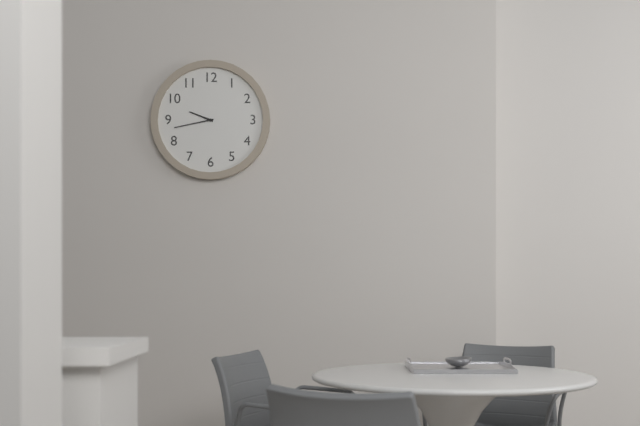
9:43
